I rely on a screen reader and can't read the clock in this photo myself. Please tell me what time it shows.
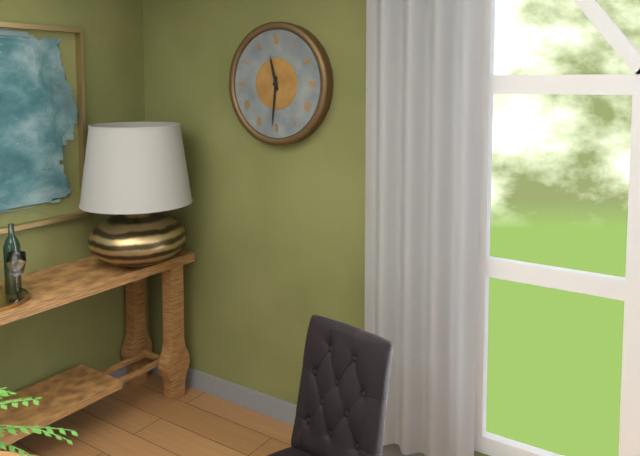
11:31
